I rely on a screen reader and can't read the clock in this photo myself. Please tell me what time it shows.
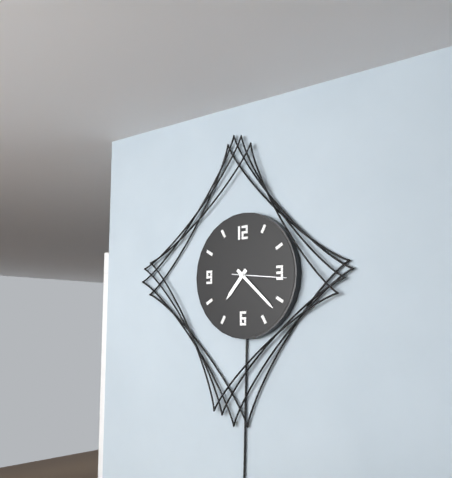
7:22:16
